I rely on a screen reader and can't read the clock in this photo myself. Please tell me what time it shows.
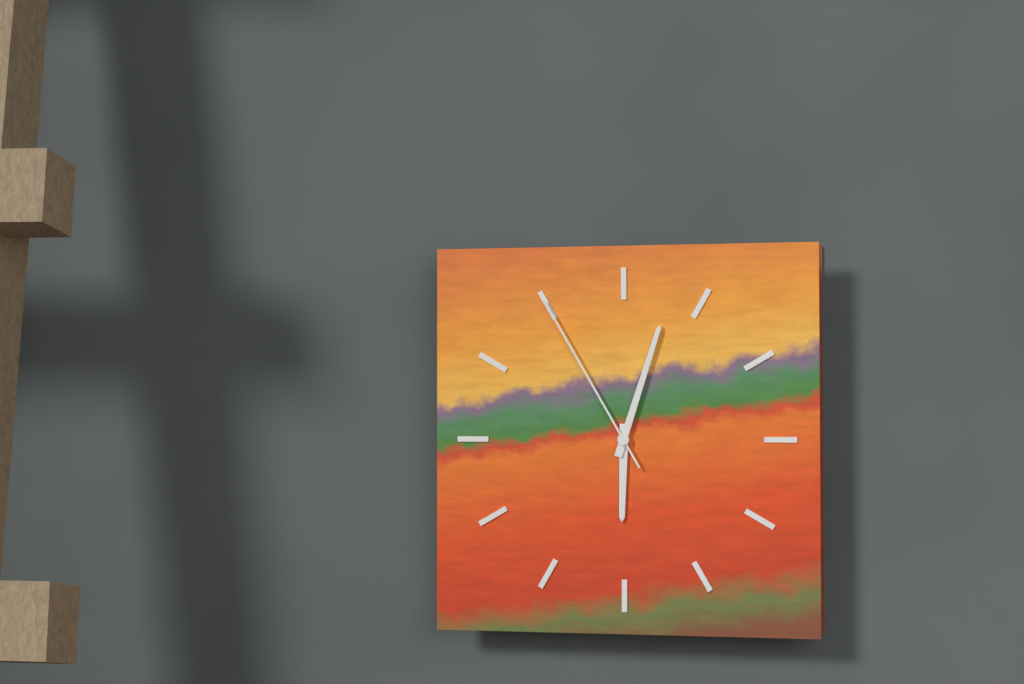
6:03:55
